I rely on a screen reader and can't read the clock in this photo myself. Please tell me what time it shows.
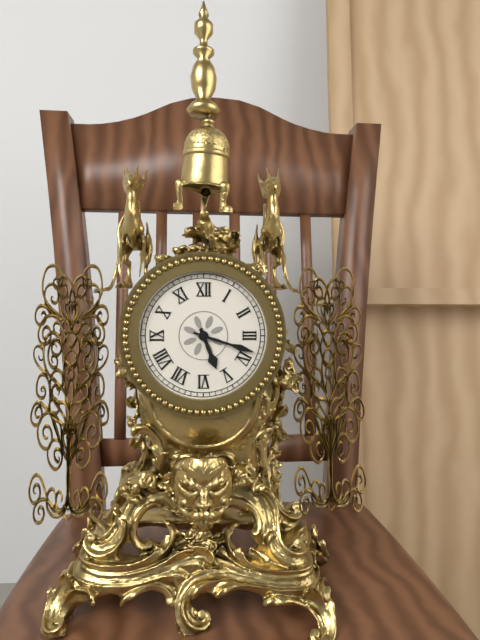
5:18
